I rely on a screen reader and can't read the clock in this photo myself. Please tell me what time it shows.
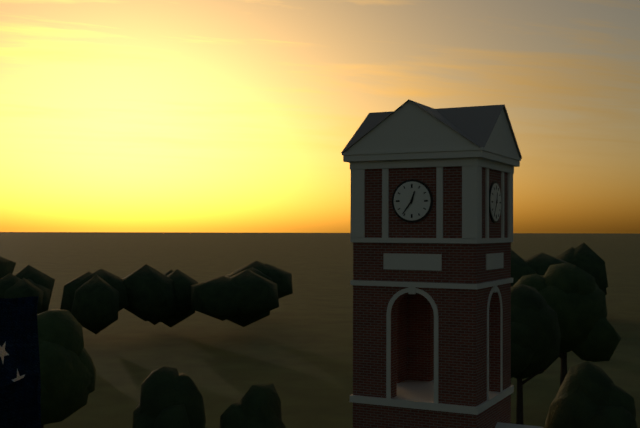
12:36
